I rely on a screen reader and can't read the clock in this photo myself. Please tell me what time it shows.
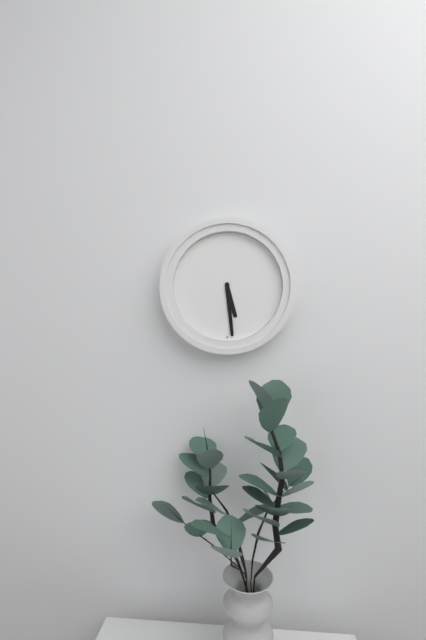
5:29
